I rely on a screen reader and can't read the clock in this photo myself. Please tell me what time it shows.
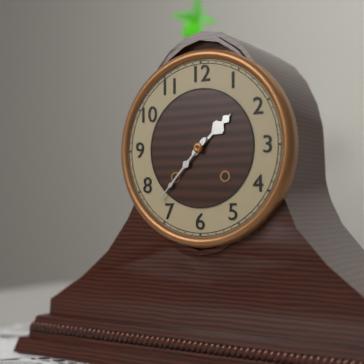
1:37
